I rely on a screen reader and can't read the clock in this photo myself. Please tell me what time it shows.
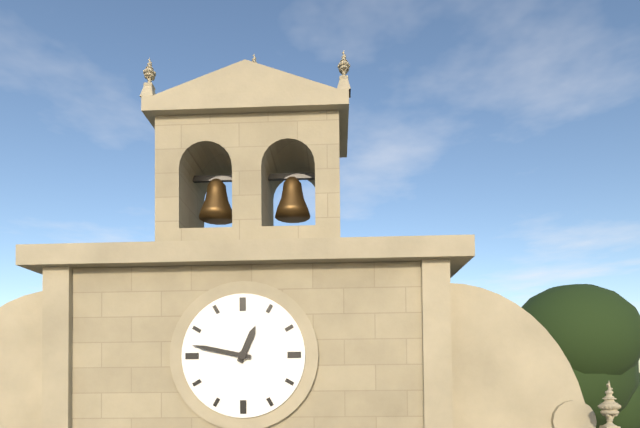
12:47
